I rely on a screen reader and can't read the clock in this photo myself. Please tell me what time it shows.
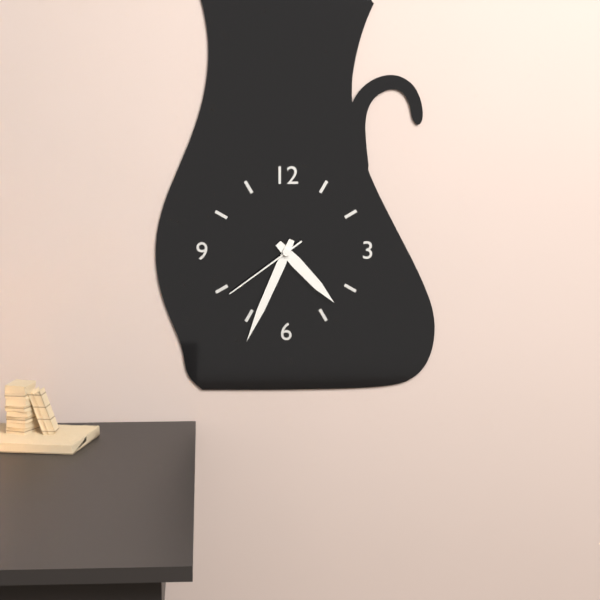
4:34:39
